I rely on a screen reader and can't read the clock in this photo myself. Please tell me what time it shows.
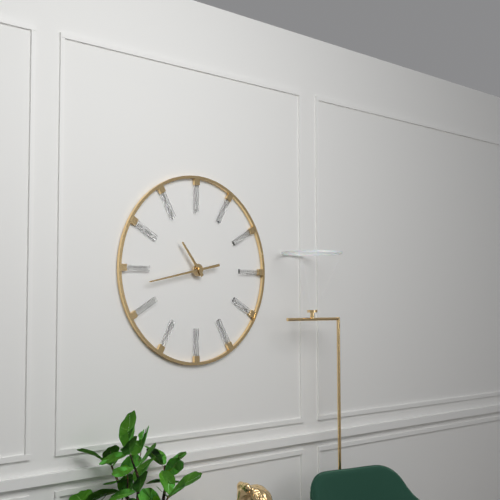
10:43
